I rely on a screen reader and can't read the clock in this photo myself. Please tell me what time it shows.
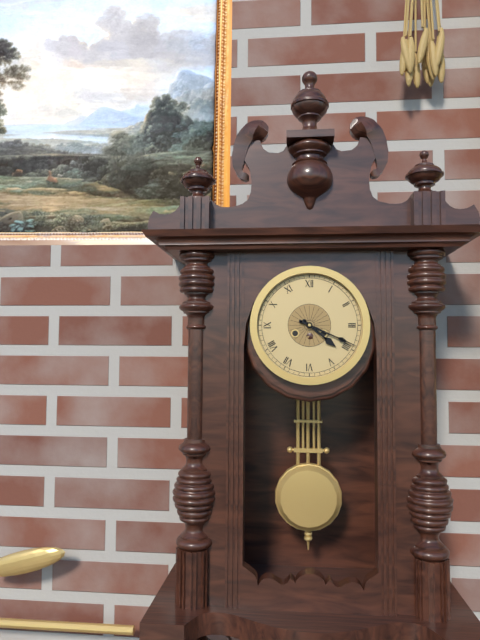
4:19
